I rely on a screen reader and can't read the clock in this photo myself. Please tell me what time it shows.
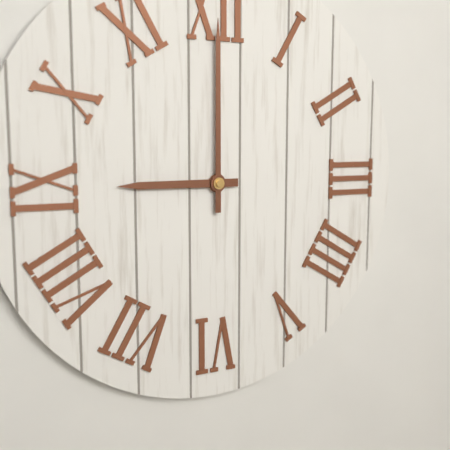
9:00
